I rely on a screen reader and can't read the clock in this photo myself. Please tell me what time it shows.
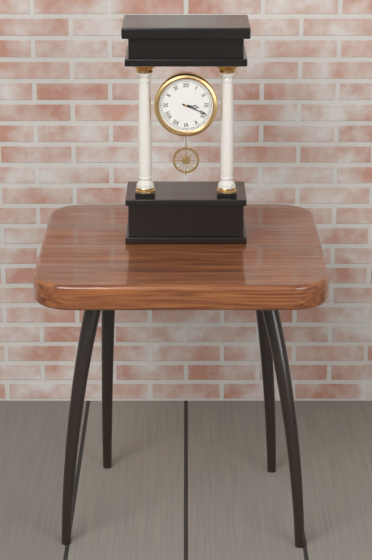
3:19
